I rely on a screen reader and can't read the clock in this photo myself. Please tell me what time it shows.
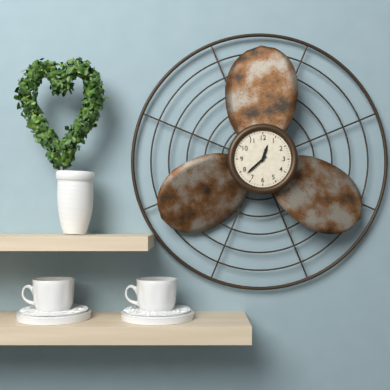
12:38
